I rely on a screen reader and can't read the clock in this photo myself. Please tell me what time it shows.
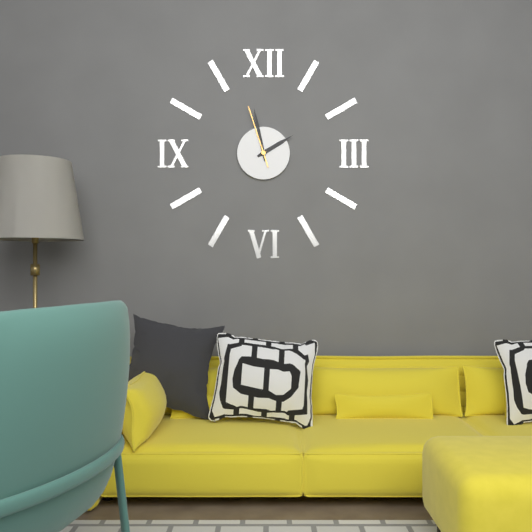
1:58:57
